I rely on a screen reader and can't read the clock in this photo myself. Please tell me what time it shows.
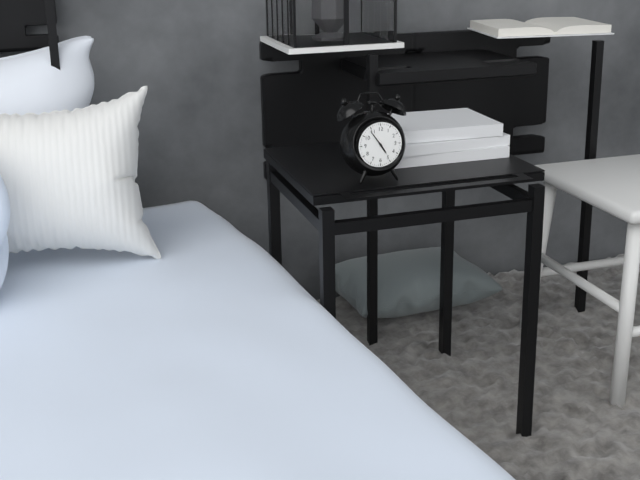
4:54
